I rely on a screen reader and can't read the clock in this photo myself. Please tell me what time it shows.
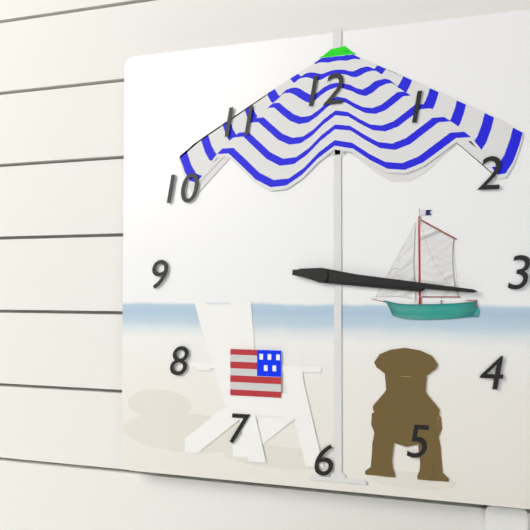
3:16
